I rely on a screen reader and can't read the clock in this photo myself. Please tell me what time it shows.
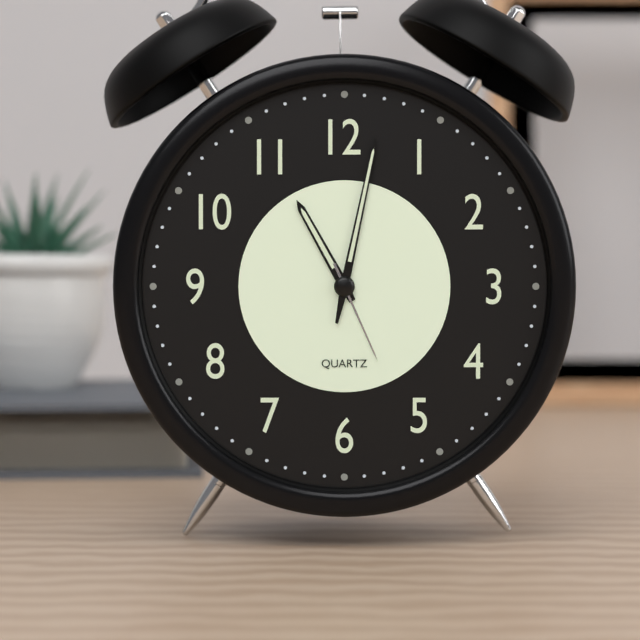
11:02:26
